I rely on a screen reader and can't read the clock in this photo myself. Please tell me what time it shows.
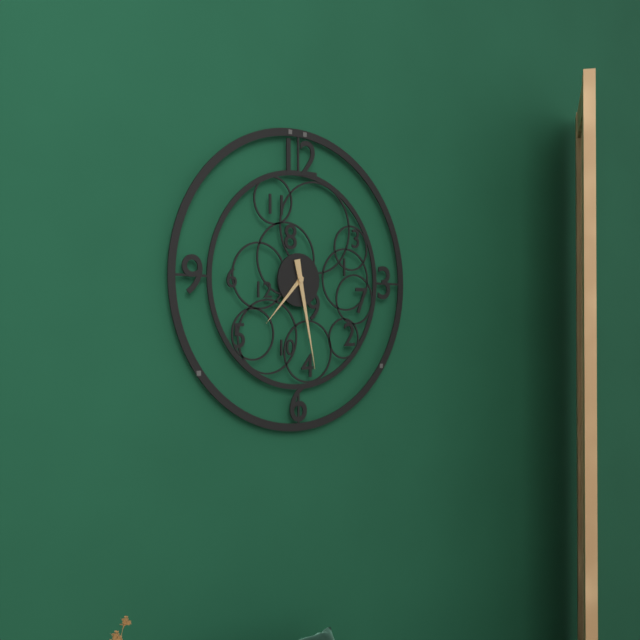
7:28
